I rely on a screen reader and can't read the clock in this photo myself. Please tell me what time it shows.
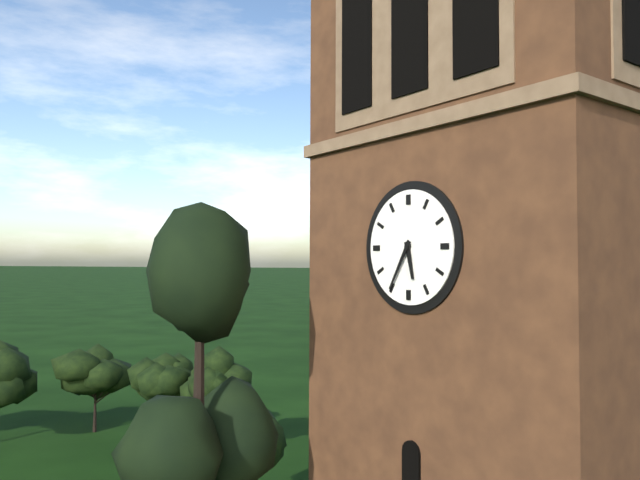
5:35
